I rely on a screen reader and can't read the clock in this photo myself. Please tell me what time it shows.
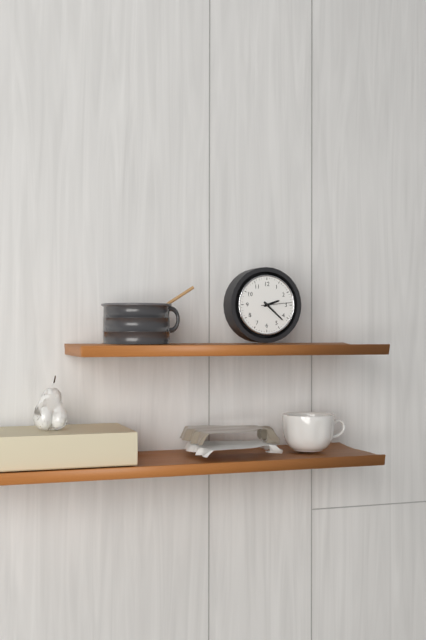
2:22
